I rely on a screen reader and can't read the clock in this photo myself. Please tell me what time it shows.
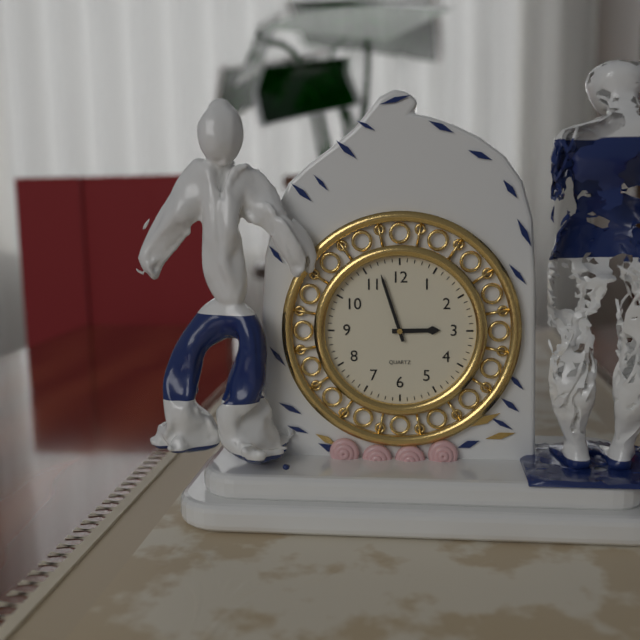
2:57
